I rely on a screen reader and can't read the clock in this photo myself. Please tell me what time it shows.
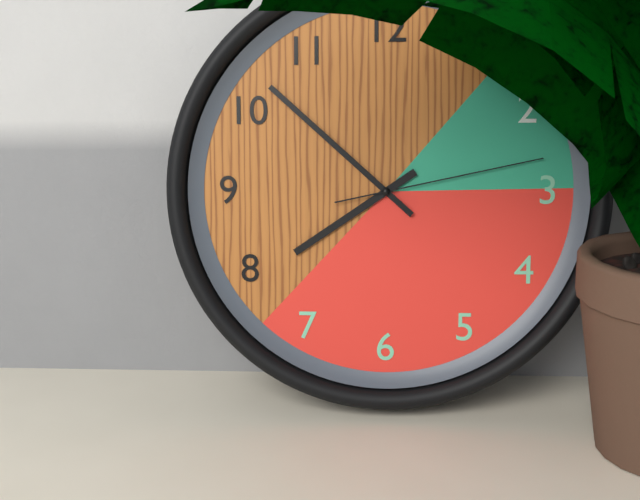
7:52:13
